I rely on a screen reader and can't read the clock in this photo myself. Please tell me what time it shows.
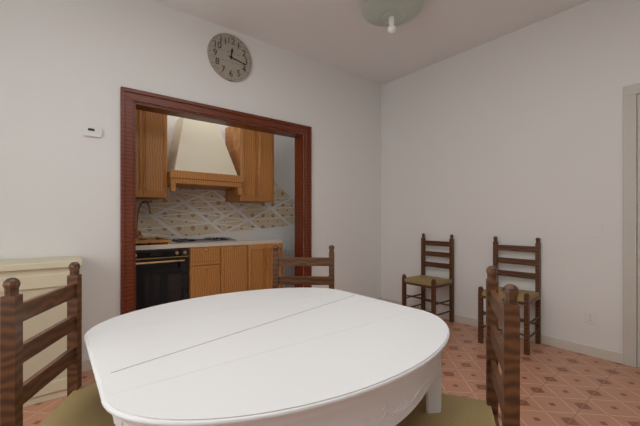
12:17
